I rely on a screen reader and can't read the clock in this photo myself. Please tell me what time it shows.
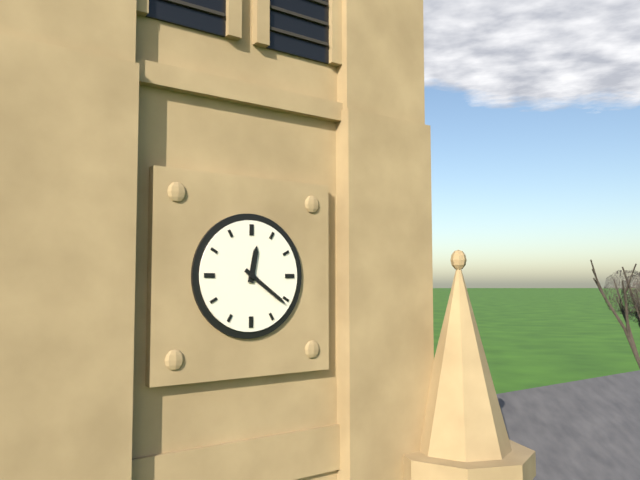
12:21
